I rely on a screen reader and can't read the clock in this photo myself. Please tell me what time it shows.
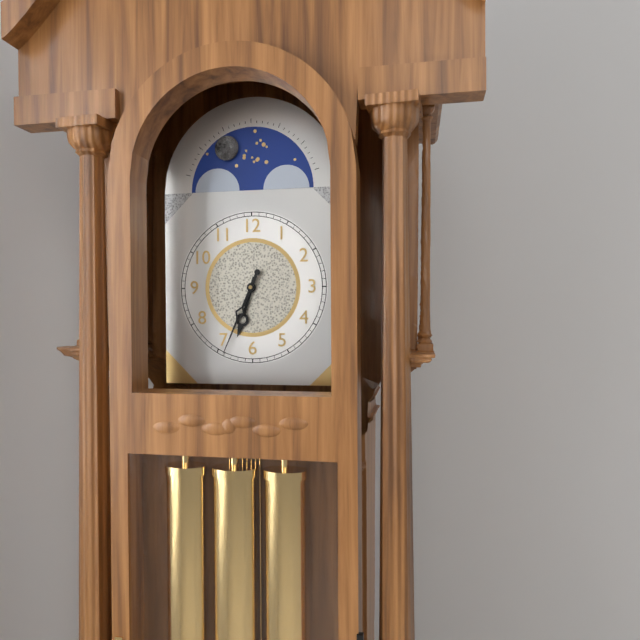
6:34
